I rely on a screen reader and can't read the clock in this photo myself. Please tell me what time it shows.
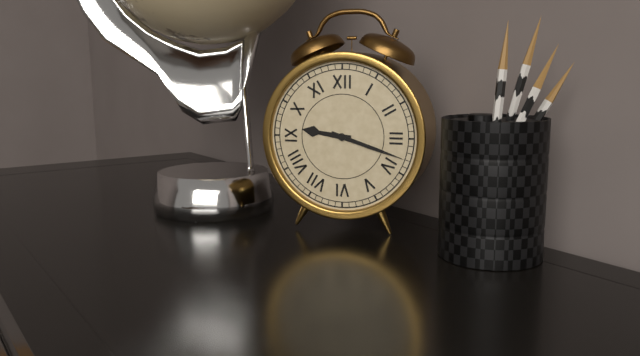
9:18
